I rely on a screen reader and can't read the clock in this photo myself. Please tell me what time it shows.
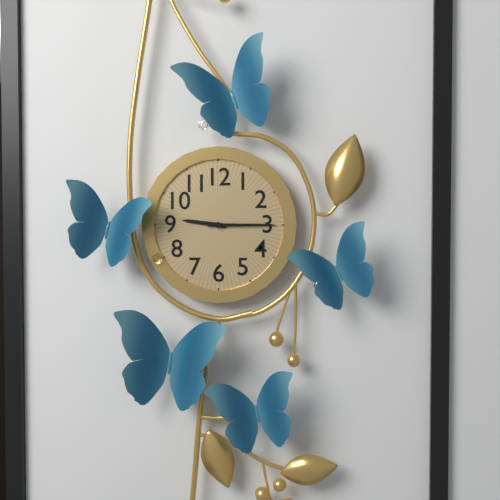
9:15
